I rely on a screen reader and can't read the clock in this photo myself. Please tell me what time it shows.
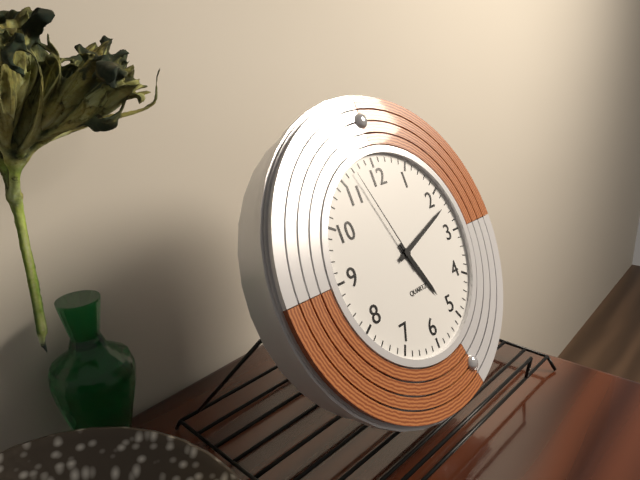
5:12:57
